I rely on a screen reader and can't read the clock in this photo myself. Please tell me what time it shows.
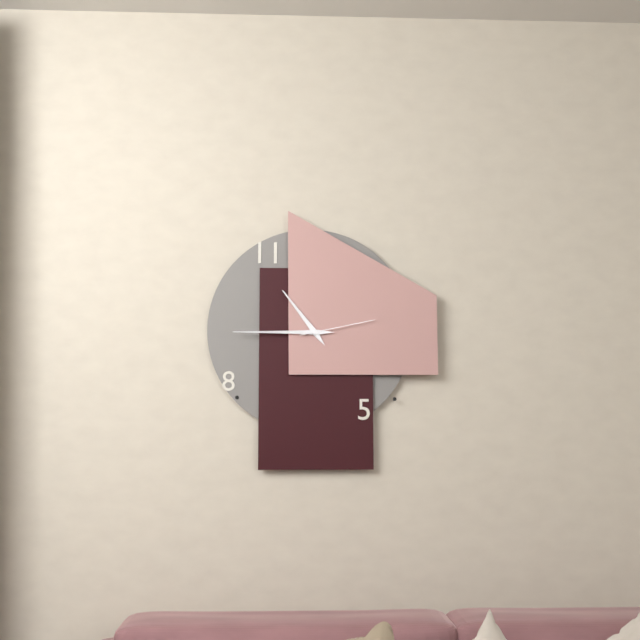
10:45:13
